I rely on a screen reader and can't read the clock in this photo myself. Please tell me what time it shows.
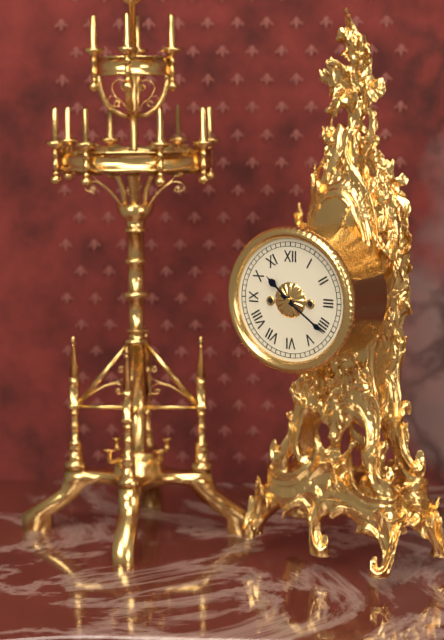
10:21
